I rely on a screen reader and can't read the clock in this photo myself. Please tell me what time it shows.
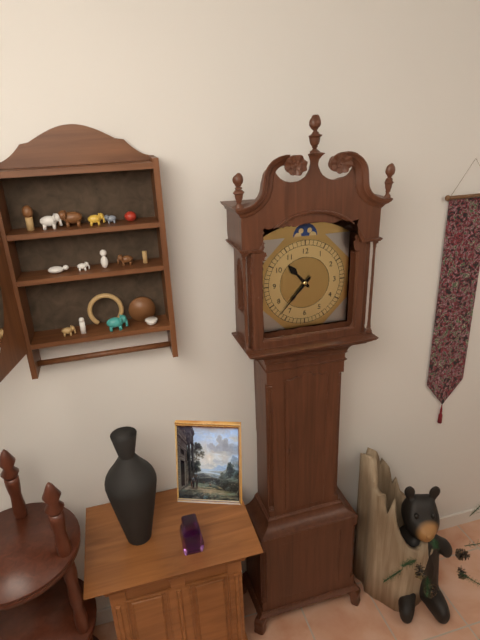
10:37
